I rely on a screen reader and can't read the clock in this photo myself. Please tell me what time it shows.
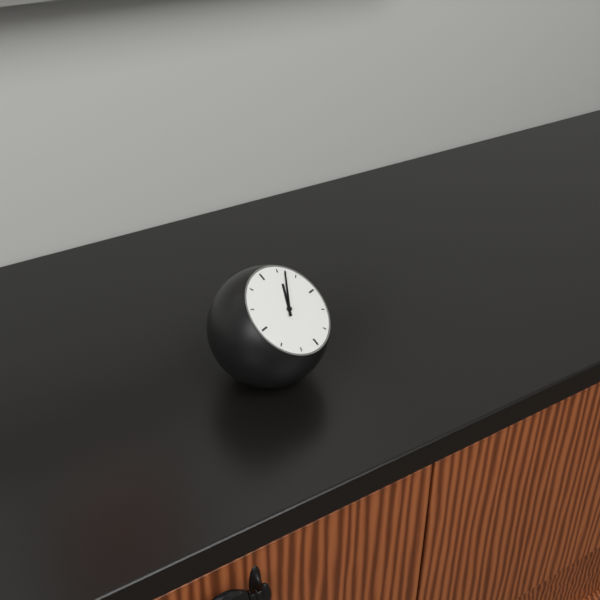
1:07
